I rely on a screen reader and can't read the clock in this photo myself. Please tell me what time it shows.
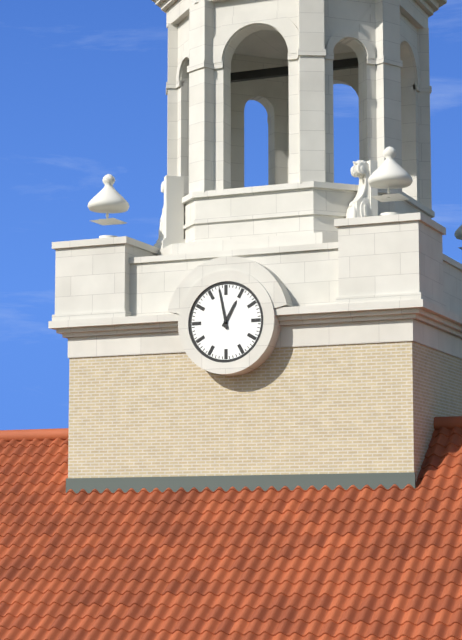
12:58
